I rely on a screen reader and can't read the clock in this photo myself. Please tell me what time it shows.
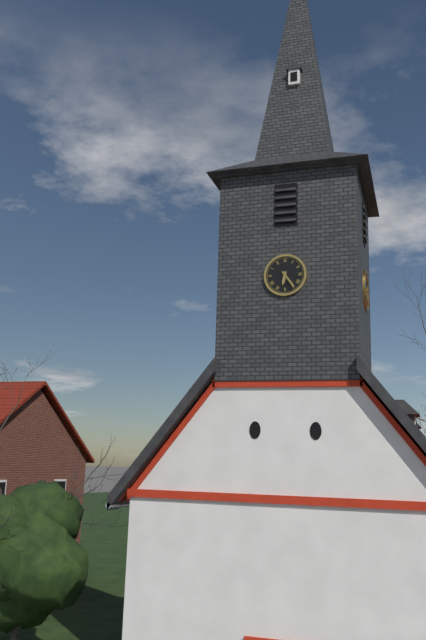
6:24
